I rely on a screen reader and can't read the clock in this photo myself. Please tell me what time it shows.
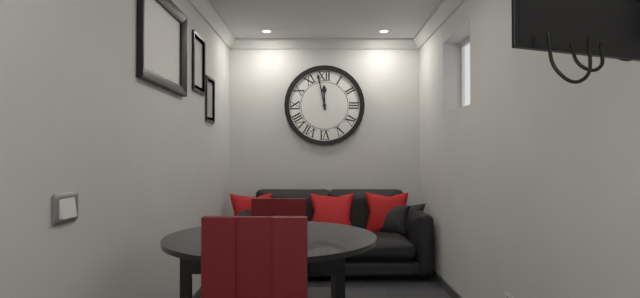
11:58
